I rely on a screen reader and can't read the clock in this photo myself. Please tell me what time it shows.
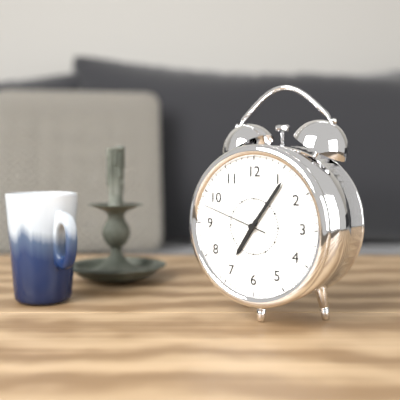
7:06:48
